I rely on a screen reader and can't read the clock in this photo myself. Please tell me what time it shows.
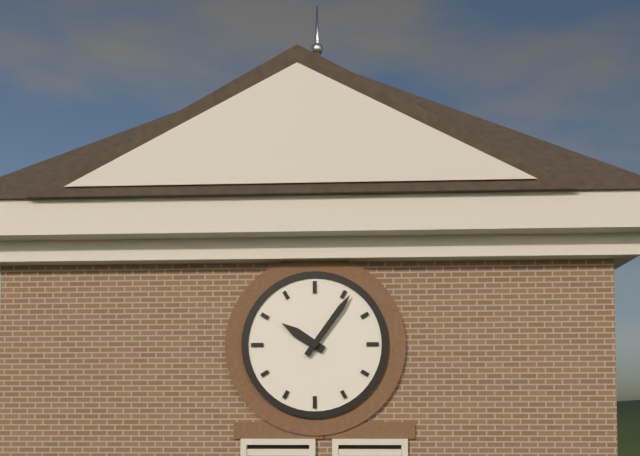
10:06
